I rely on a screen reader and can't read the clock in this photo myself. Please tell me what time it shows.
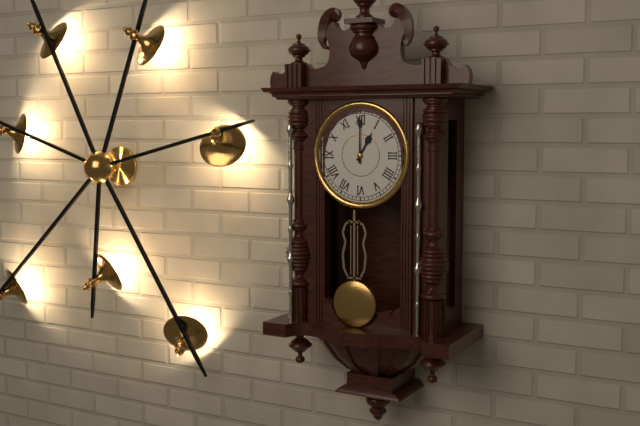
1:00
